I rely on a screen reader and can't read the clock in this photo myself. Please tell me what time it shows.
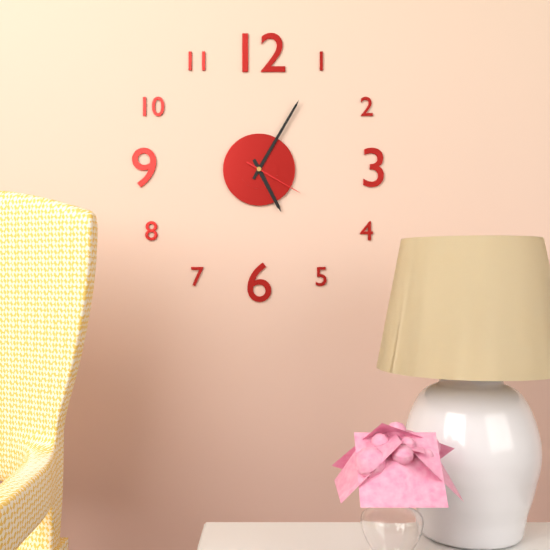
5:05:20
